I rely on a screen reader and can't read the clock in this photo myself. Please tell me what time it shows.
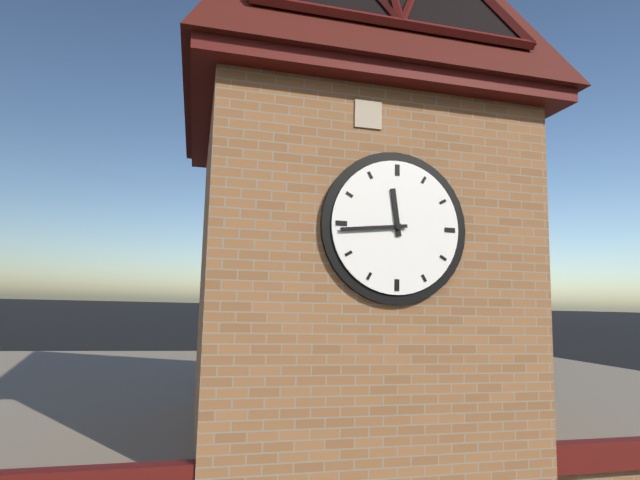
11:44
